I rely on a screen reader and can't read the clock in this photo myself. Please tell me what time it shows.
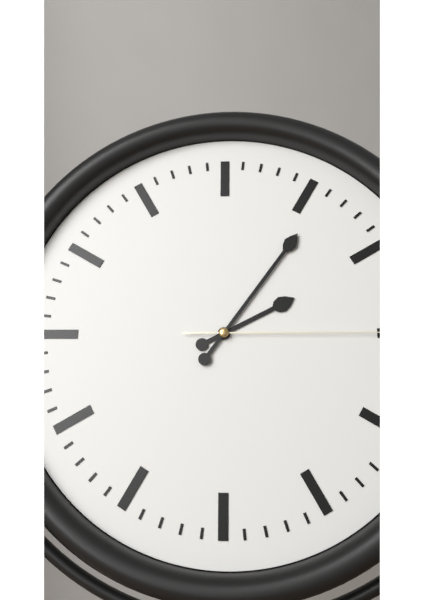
2:06:15
